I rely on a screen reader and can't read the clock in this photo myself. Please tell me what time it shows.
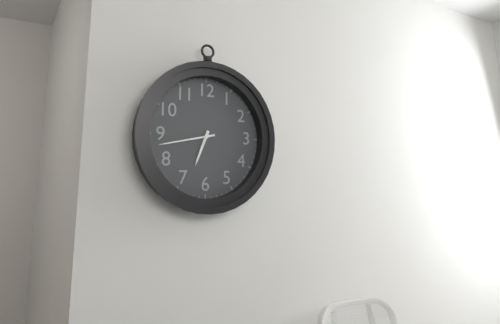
6:43
